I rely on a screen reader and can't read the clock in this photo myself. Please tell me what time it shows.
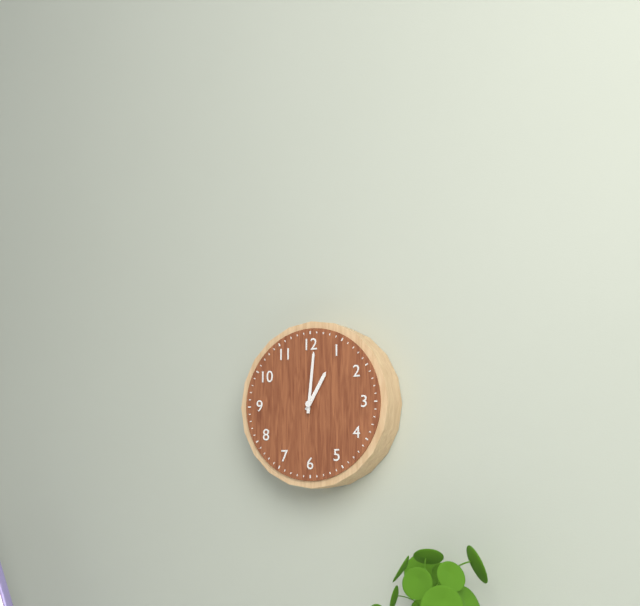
1:01
